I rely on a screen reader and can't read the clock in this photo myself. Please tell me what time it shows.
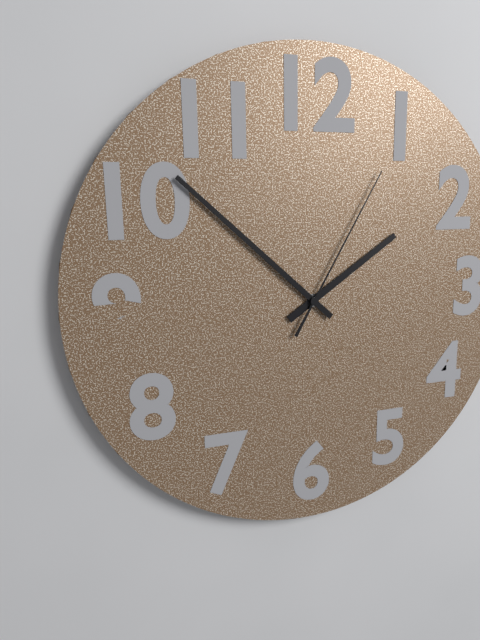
1:52:05
